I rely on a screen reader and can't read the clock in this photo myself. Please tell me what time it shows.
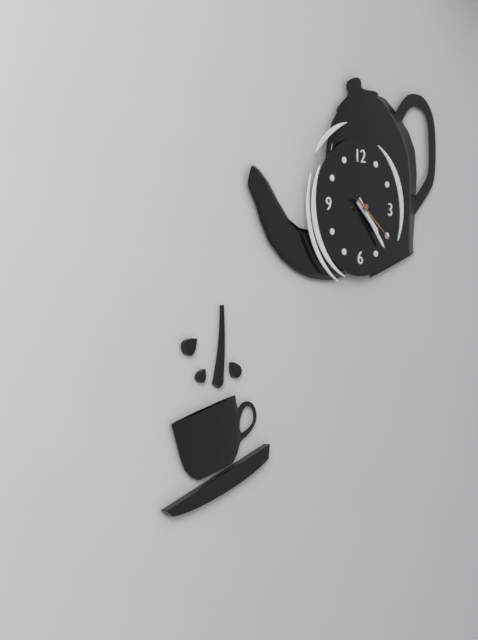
4:23:21
